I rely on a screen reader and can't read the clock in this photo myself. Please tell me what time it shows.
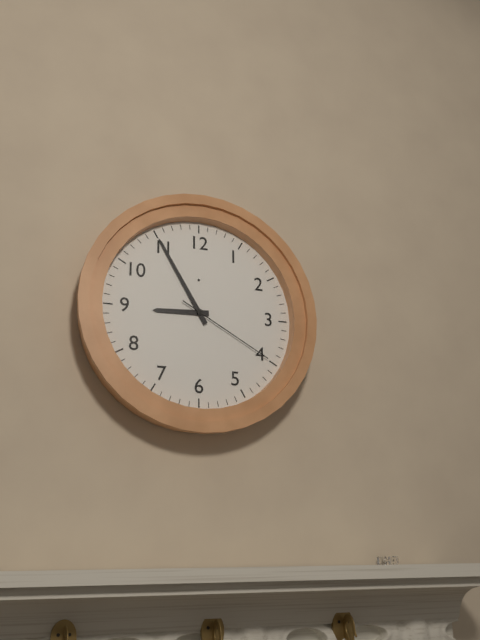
8:55:20
